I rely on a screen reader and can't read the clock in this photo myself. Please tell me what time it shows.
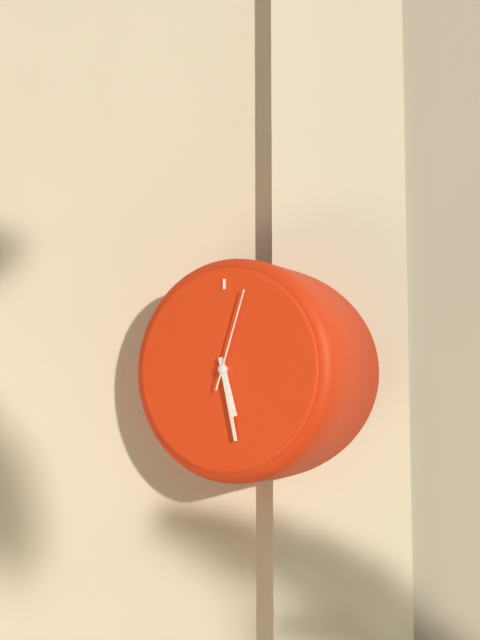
5:28:03
